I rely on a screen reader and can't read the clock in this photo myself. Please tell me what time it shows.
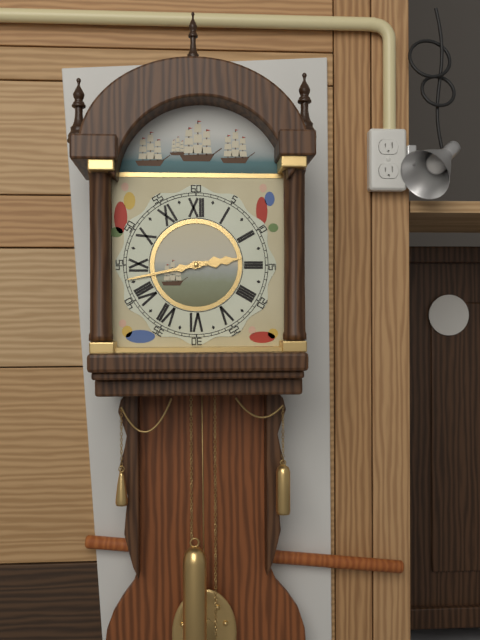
2:43
